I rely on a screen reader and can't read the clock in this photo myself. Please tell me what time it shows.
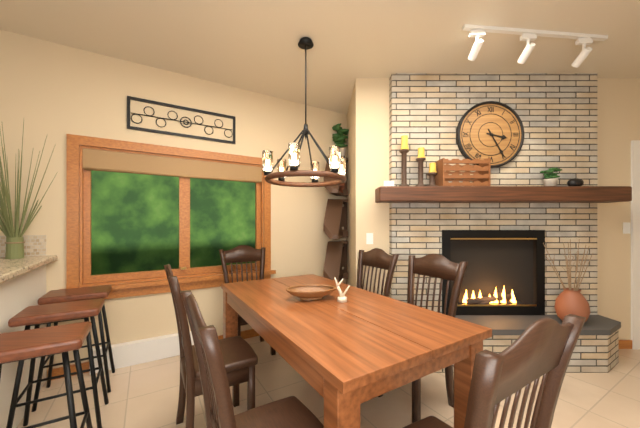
3:25
